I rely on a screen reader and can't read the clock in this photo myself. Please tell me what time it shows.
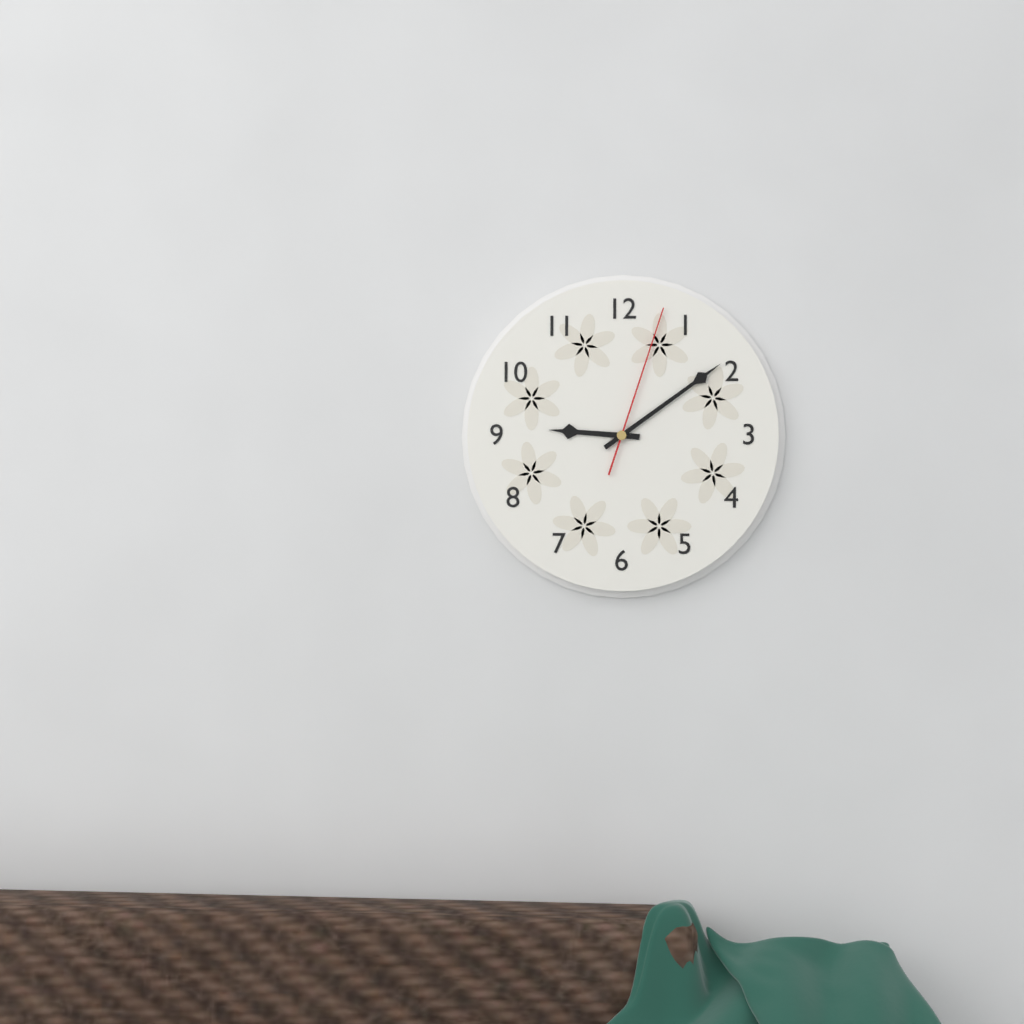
9:09:03
